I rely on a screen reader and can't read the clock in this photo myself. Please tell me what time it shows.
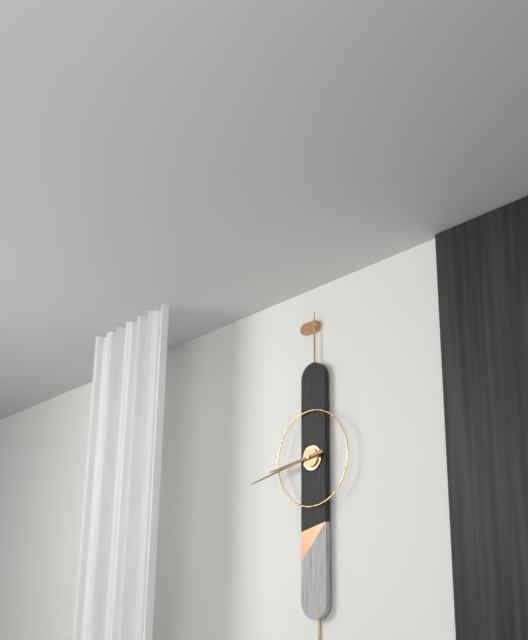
8:43
